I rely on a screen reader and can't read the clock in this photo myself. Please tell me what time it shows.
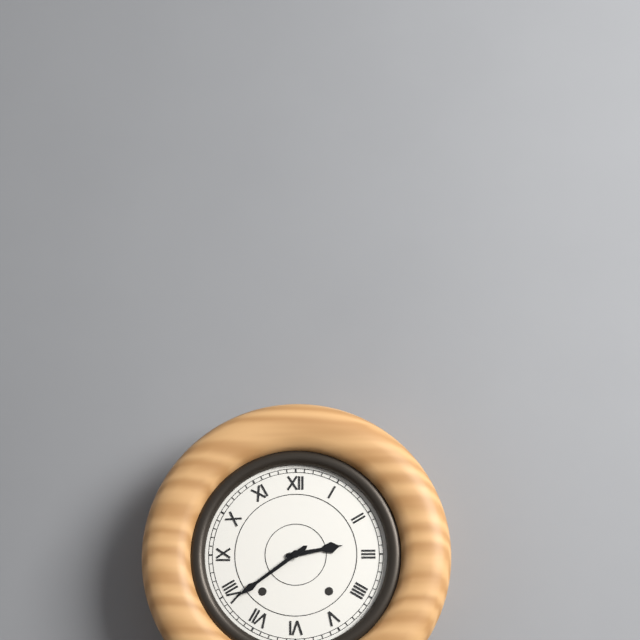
2:39
